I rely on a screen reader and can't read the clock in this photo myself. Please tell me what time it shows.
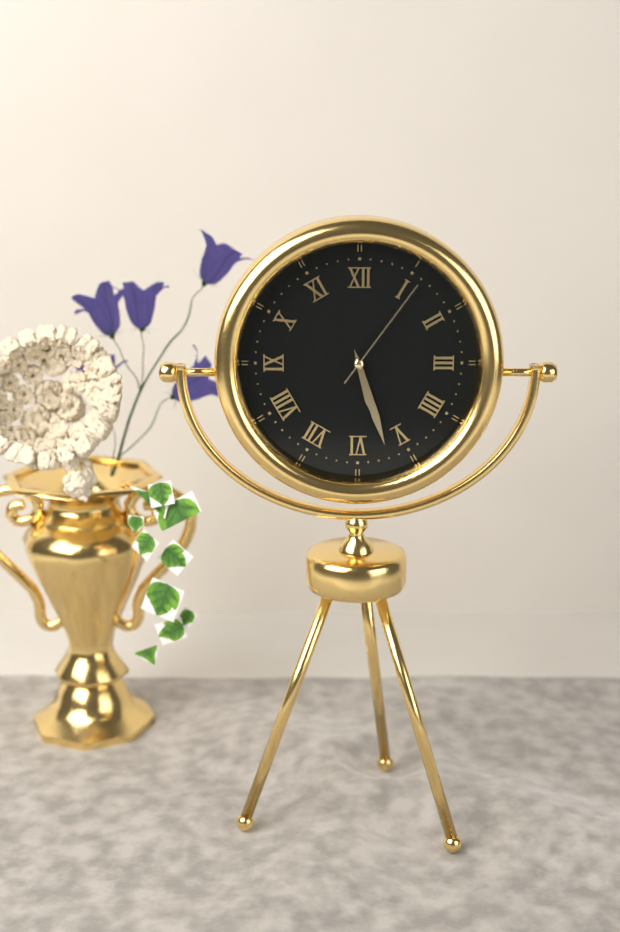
5:27:06
